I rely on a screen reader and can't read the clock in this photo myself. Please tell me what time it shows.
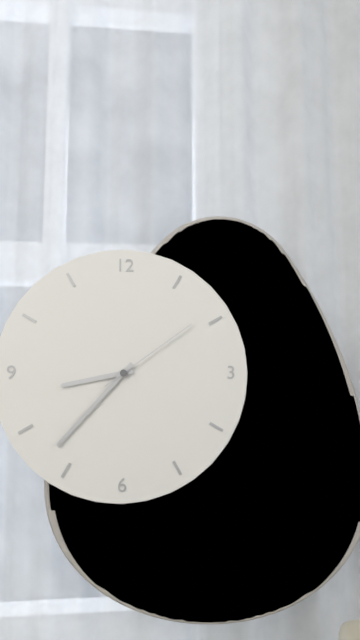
8:37:09
